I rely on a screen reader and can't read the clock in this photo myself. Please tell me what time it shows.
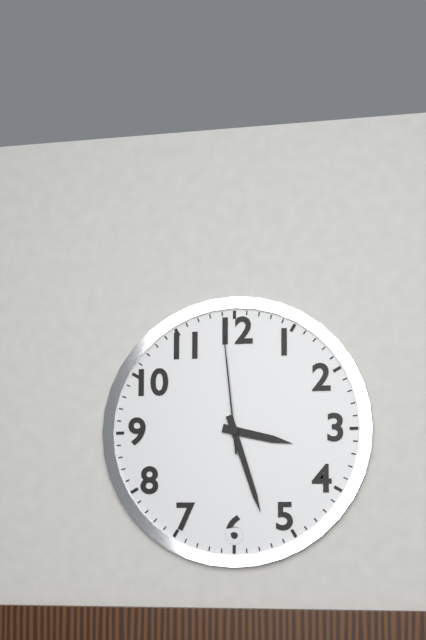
3:27:59
